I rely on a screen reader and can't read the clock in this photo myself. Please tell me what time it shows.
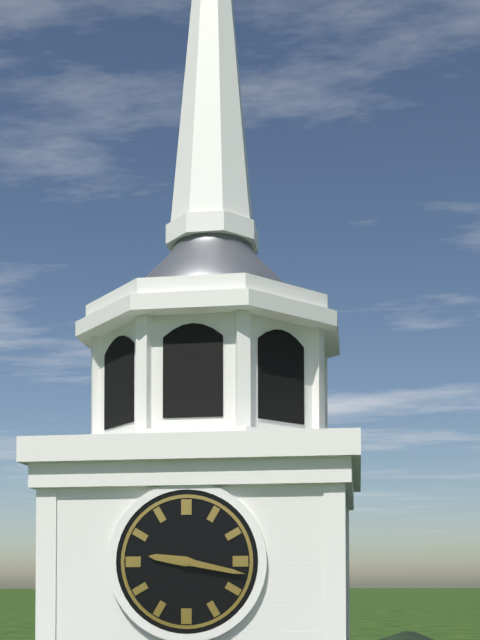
9:17
